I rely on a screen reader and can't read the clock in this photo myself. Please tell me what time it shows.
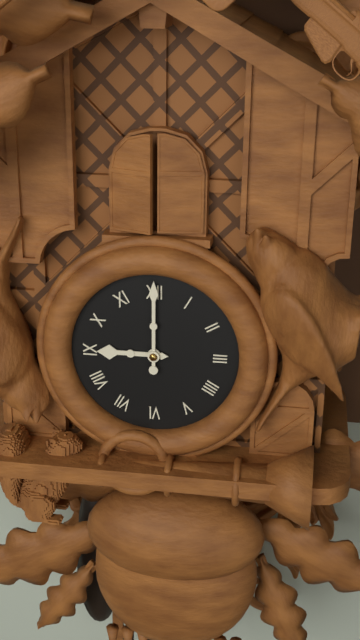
9:00
